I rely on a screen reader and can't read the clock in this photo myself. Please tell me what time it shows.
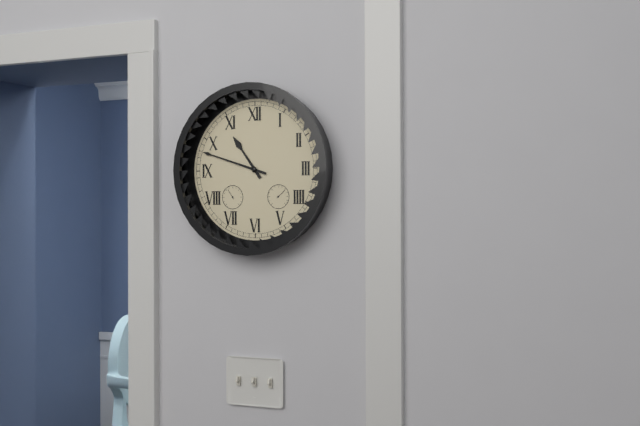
10:48
